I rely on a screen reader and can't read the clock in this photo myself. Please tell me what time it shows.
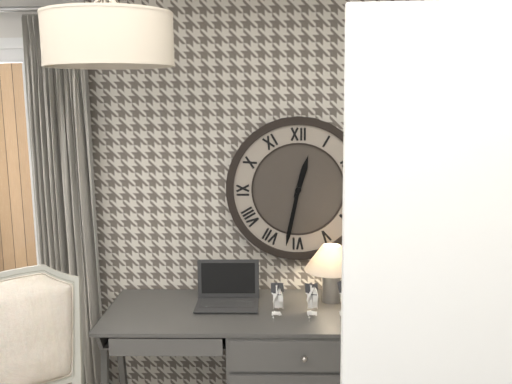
12:32
